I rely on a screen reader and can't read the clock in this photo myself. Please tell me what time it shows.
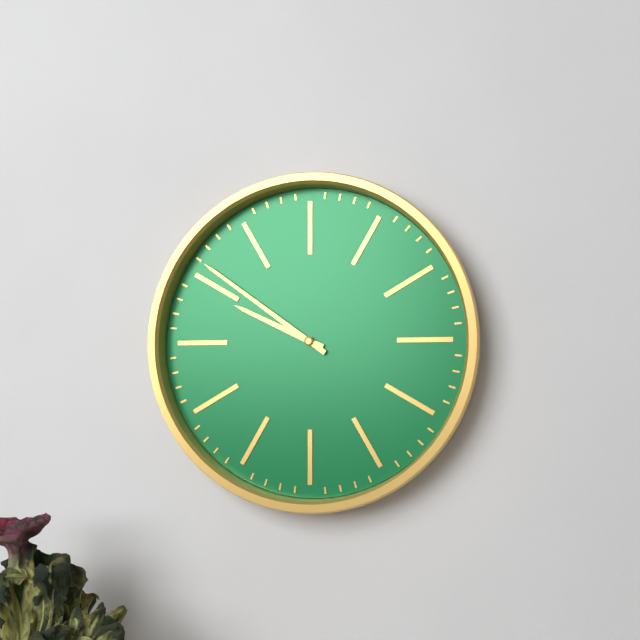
9:51
